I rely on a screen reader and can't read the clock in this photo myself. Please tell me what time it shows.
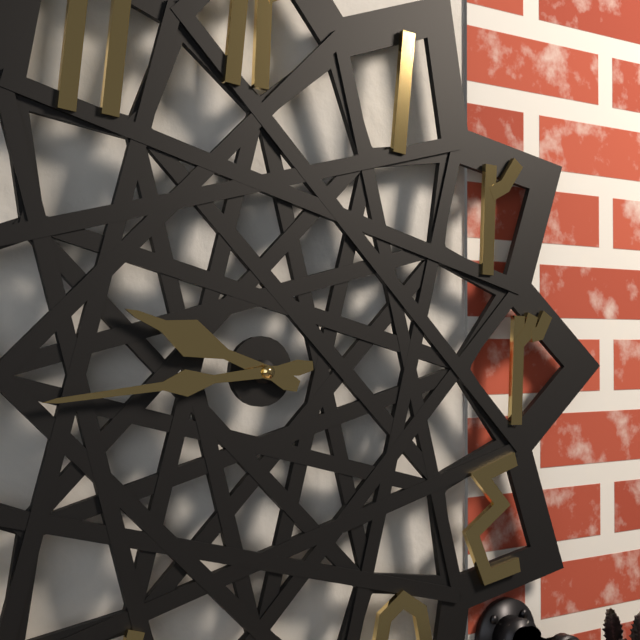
9:44
